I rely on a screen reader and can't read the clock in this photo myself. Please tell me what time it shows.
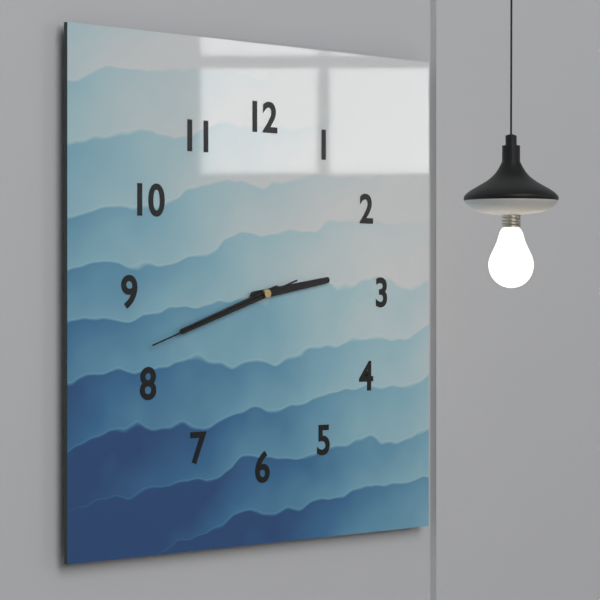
2:42:42
